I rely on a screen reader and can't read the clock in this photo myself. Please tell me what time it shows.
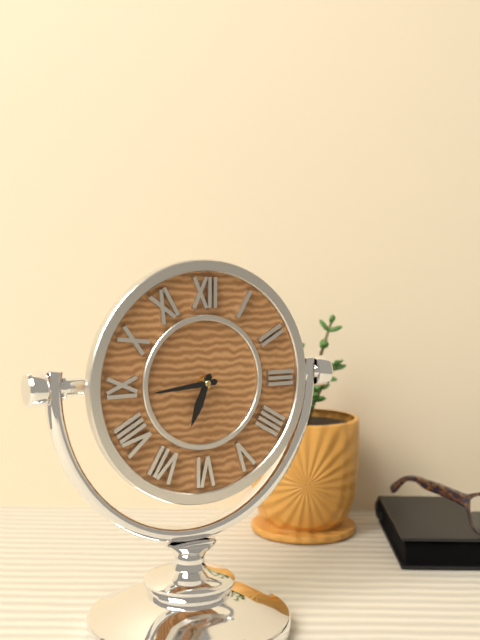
6:44
